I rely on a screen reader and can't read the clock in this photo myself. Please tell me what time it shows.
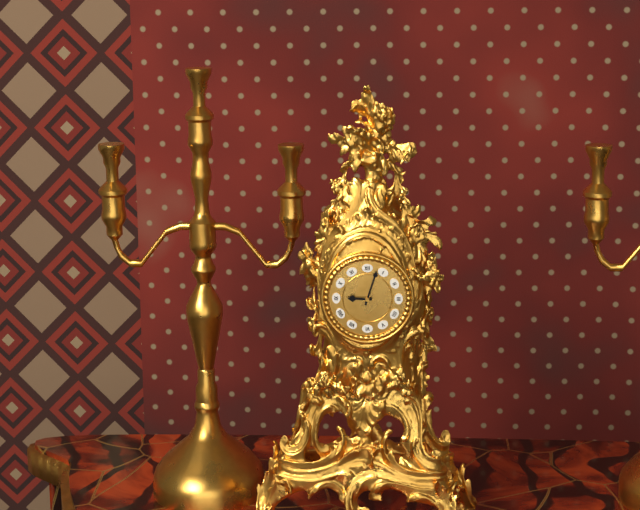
9:03
